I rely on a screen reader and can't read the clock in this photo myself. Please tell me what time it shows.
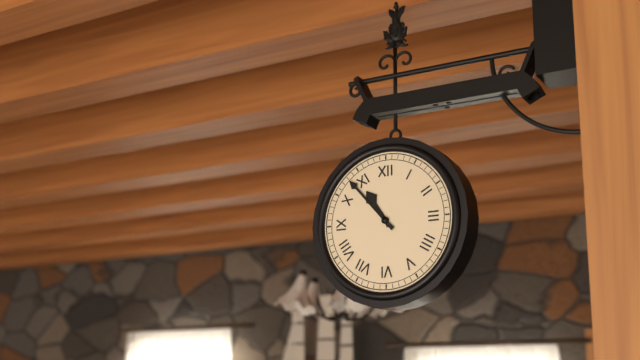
10:53
